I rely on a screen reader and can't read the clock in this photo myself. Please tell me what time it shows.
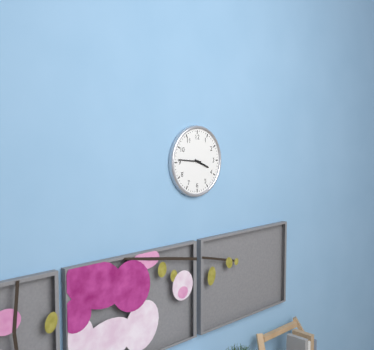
3:46
